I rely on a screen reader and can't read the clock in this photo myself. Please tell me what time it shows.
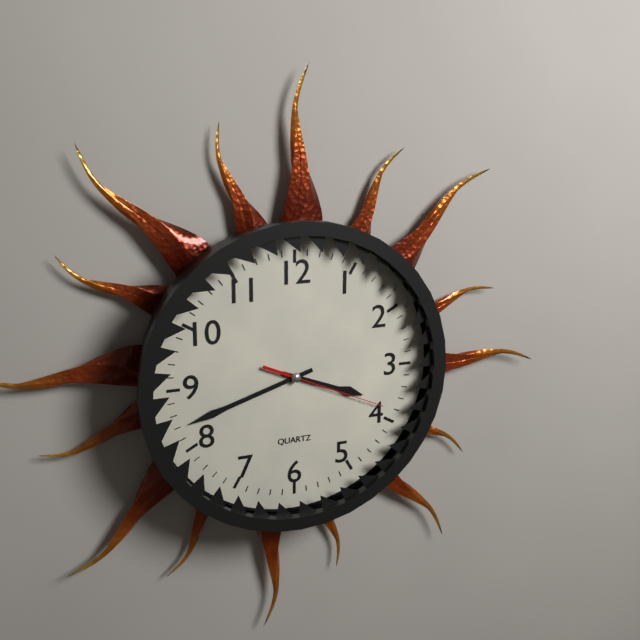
3:42:19
